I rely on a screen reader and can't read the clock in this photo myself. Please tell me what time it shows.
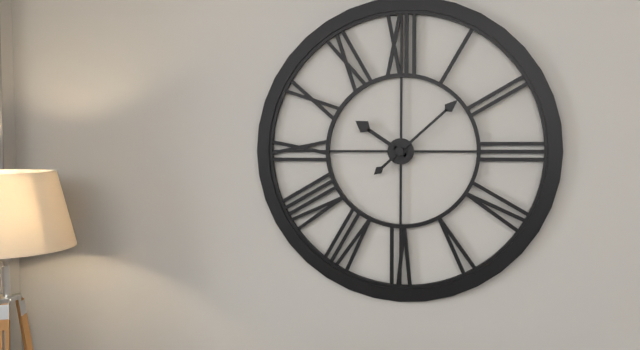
10:08
